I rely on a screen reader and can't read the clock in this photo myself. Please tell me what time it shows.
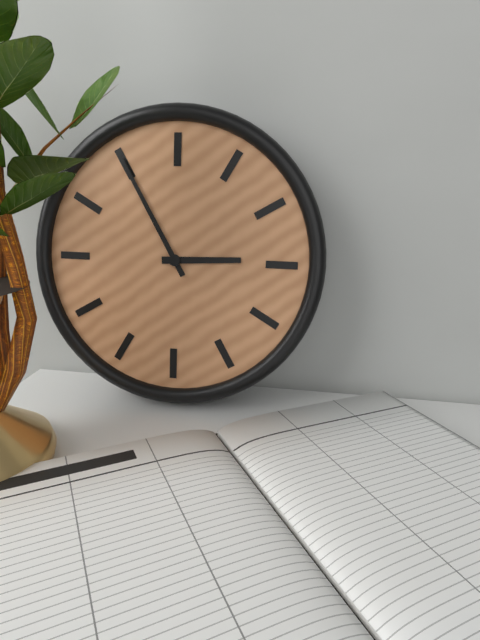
2:55
